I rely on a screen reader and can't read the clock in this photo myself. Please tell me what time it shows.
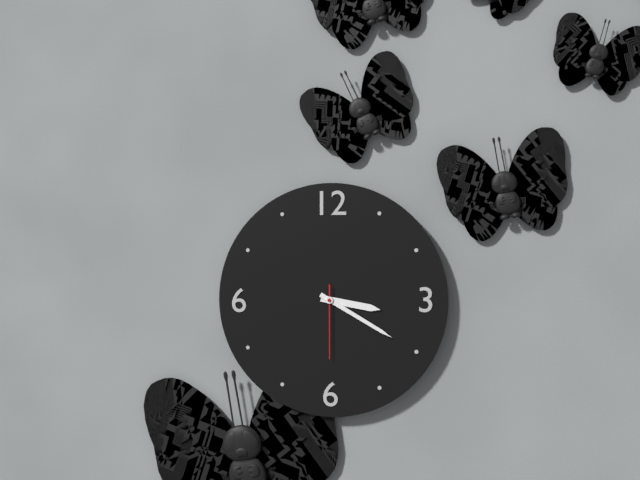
3:20:30
